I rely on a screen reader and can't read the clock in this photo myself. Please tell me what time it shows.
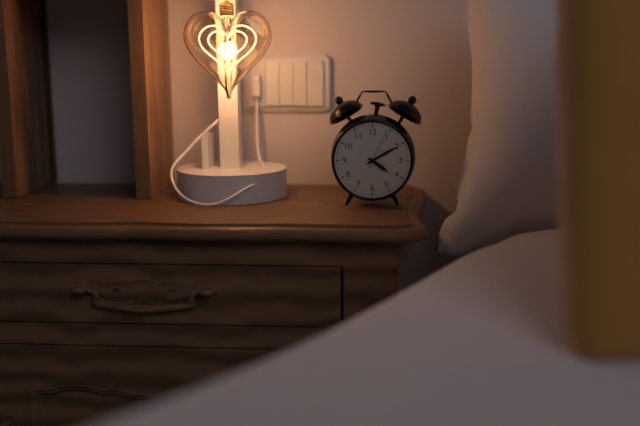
4:10
